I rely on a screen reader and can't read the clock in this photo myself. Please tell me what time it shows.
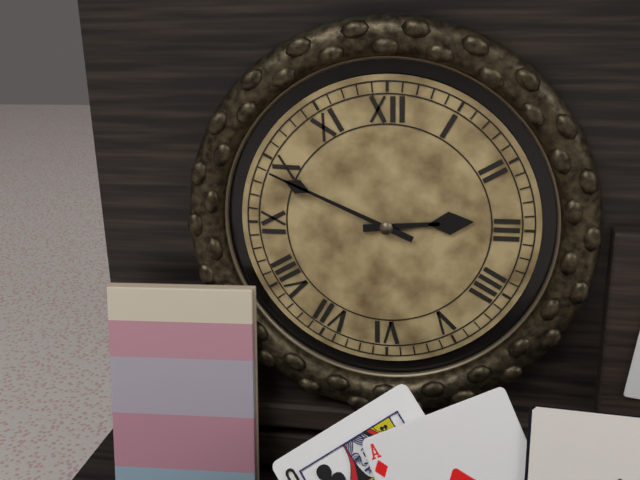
2:49
